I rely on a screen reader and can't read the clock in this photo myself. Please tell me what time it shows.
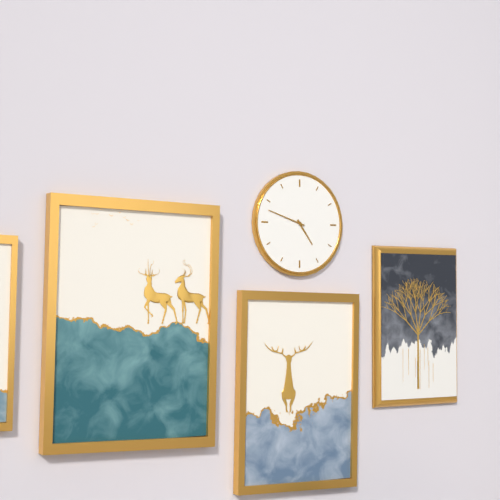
4:48
